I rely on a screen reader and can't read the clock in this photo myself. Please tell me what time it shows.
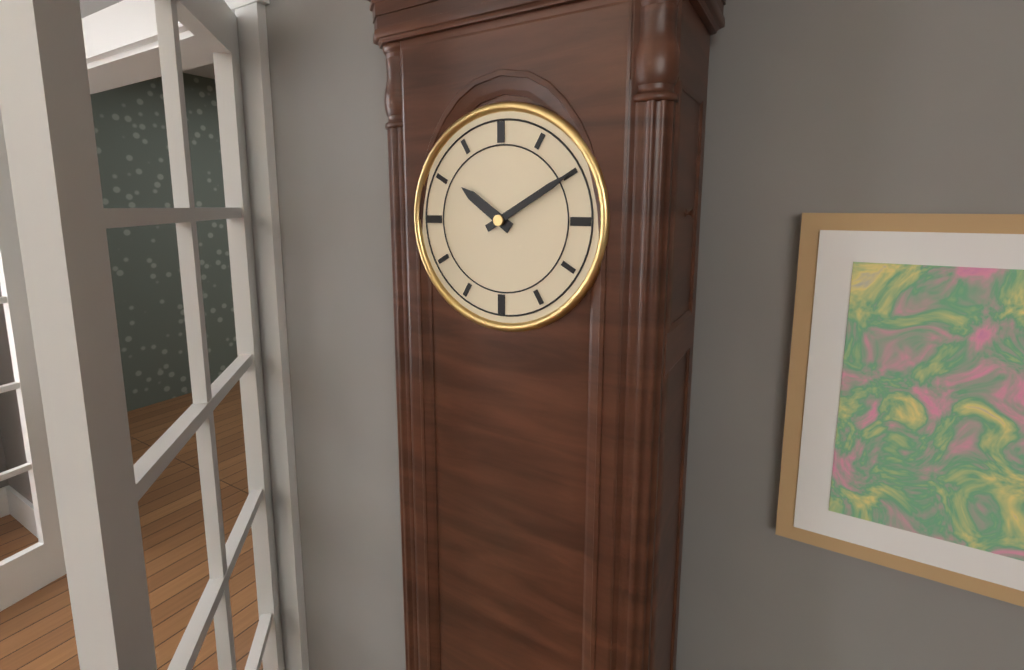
10:10
